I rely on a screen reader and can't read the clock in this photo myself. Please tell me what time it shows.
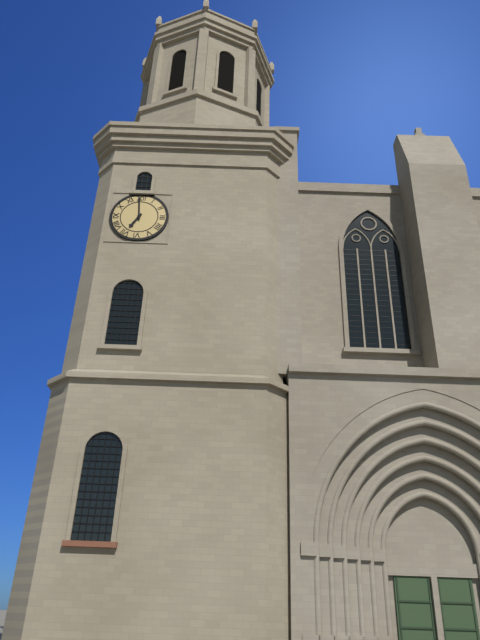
6:59
